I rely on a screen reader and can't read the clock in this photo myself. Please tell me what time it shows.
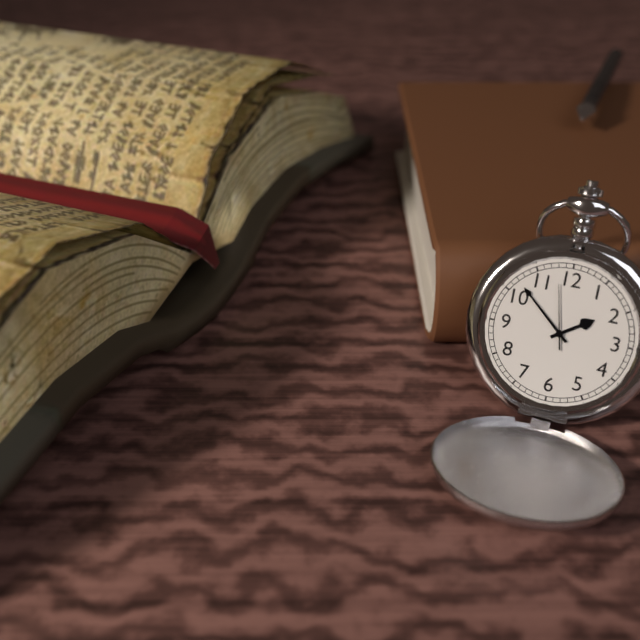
1:52:58
